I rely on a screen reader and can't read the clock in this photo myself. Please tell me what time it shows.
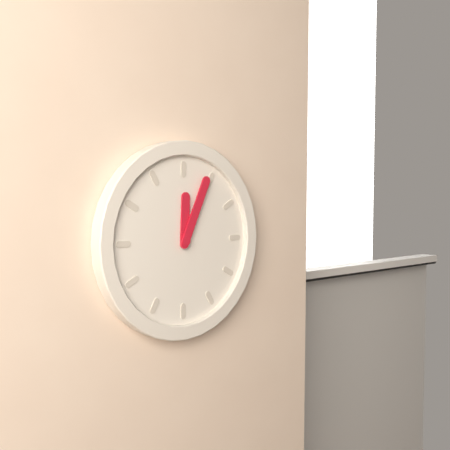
12:04
